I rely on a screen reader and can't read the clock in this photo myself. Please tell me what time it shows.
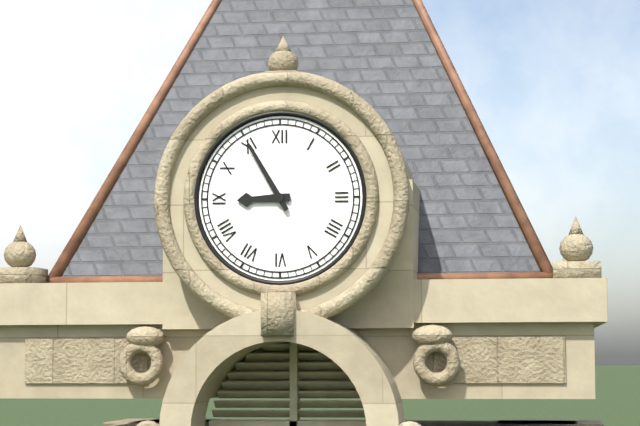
8:55
